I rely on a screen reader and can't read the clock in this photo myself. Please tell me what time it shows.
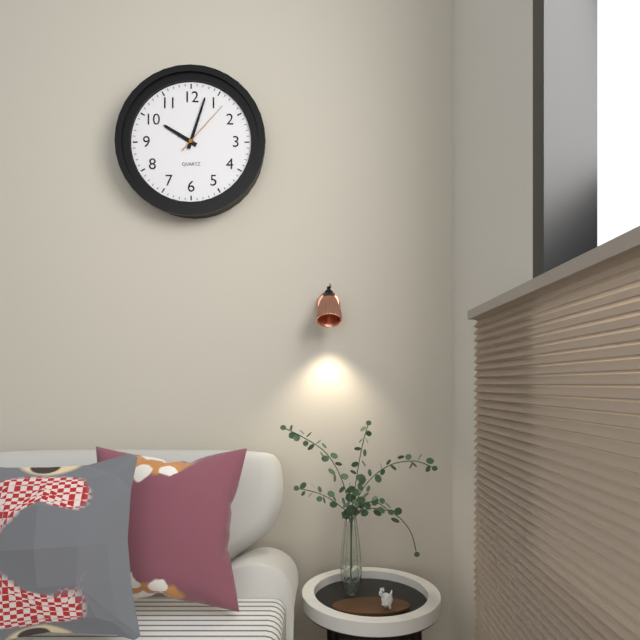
10:03:07
